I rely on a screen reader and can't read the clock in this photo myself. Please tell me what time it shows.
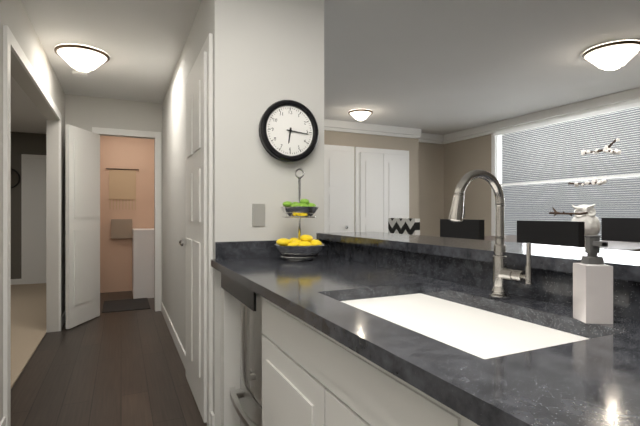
6:16
